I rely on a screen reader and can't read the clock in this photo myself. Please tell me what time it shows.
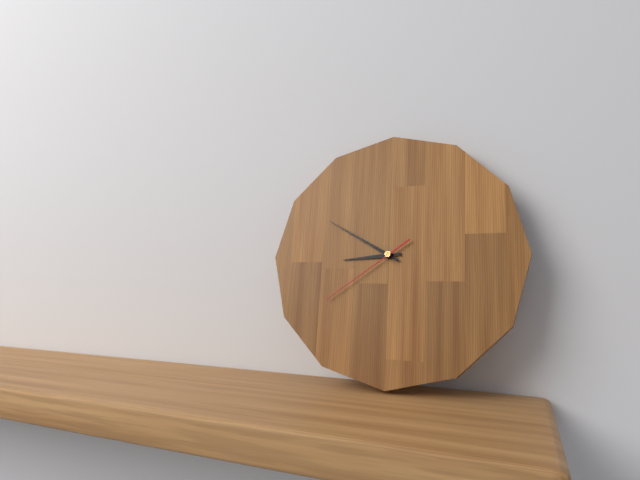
8:50:39
